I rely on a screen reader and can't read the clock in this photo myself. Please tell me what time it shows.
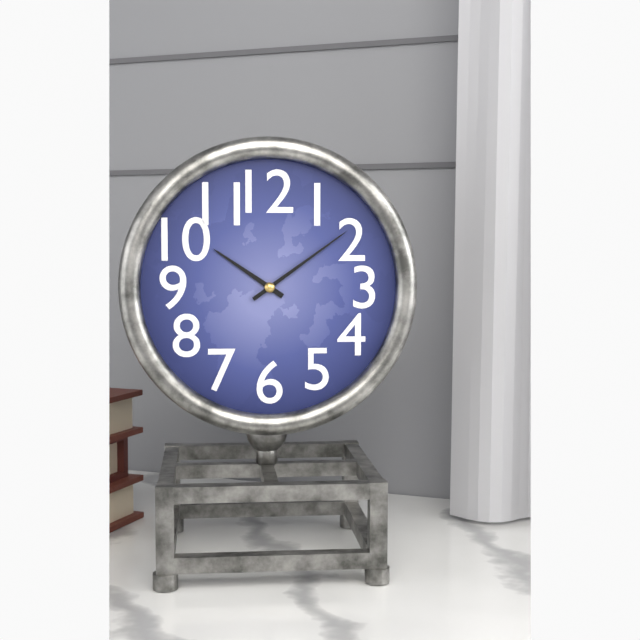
10:09
